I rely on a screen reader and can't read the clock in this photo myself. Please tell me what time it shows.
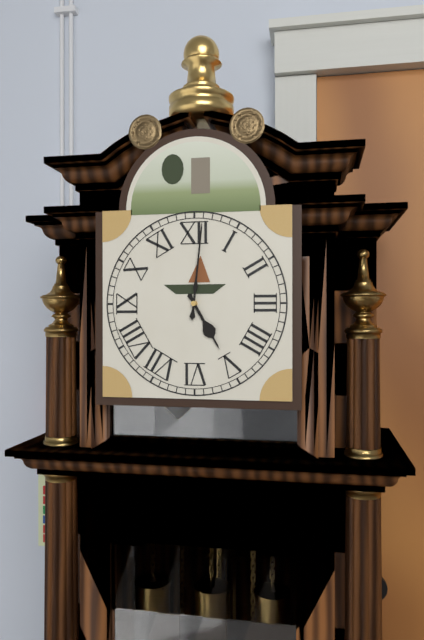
5:01
